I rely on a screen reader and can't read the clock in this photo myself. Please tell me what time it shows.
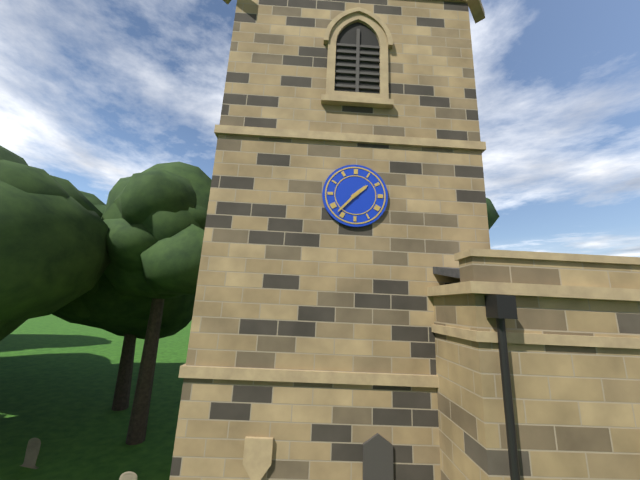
1:37
